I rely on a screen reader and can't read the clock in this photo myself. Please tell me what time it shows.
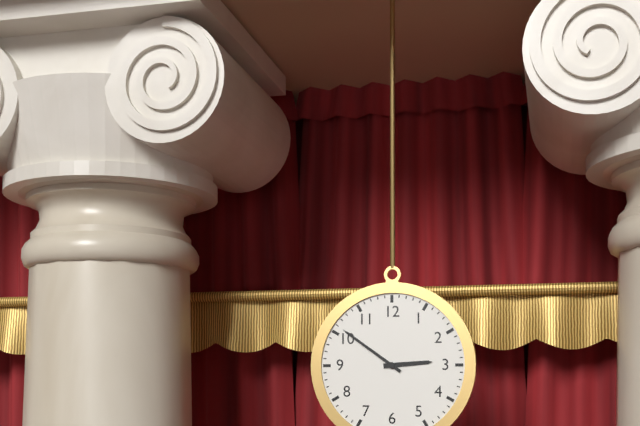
2:51
